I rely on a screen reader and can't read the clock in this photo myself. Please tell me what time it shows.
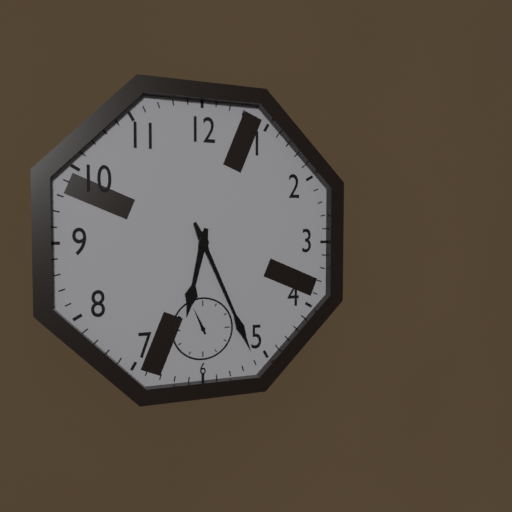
6:26
